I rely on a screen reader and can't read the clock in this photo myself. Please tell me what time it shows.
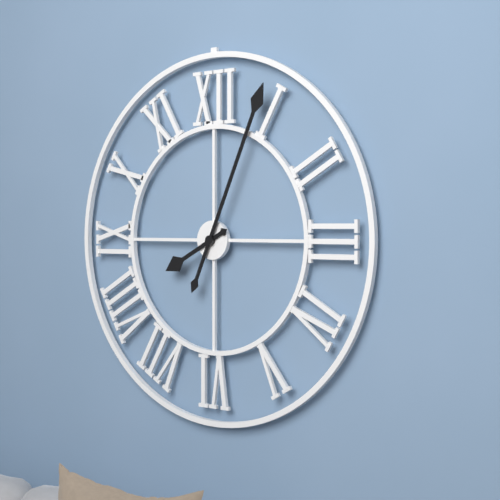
8:04
